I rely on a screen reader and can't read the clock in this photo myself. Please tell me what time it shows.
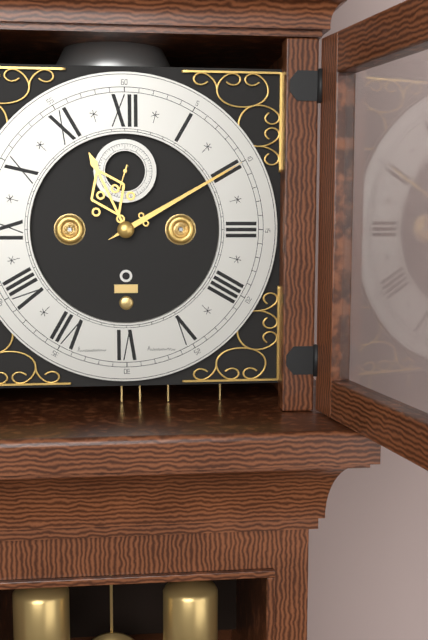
11:10
